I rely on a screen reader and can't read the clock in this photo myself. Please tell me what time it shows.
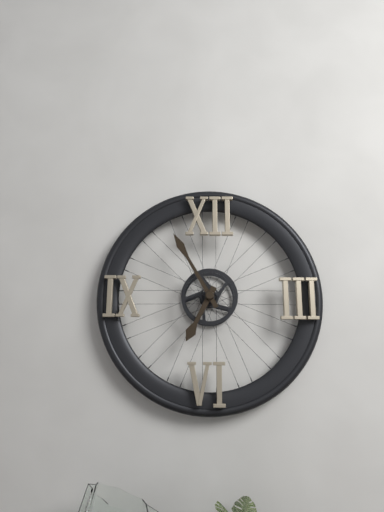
6:55
